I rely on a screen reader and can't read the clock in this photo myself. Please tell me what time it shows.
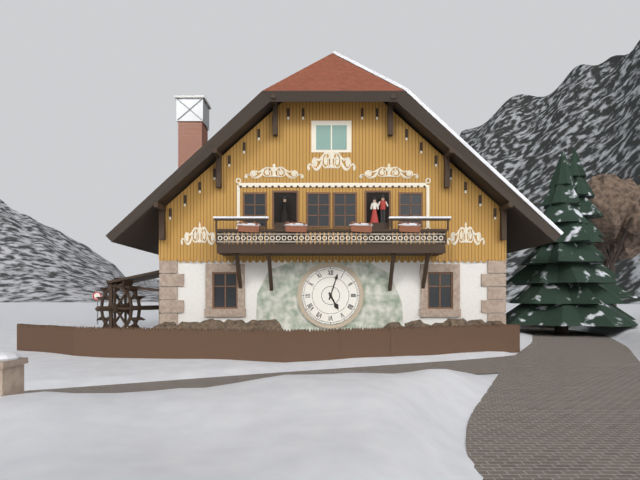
5:03
